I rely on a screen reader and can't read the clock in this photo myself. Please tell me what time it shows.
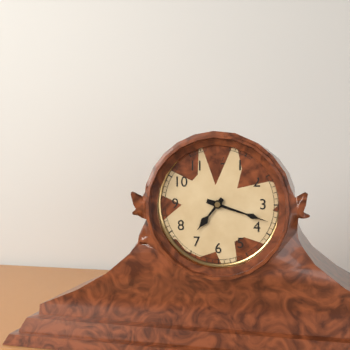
7:18
